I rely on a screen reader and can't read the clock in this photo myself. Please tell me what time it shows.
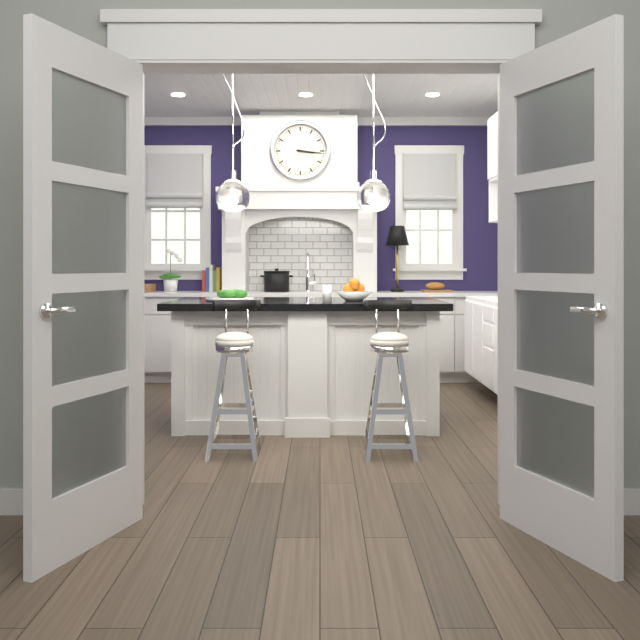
3:16
